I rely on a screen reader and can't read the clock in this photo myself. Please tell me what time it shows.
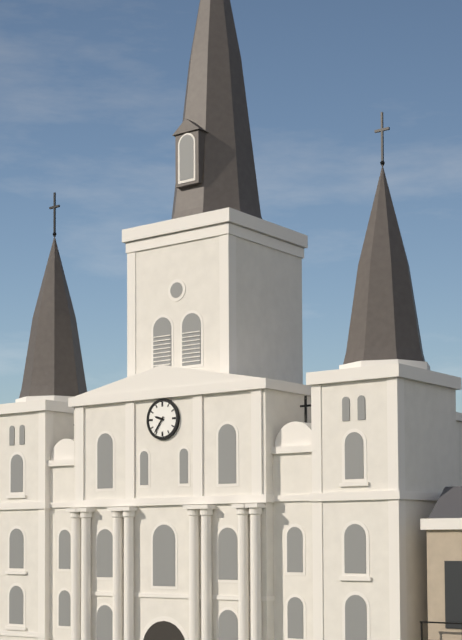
9:36
